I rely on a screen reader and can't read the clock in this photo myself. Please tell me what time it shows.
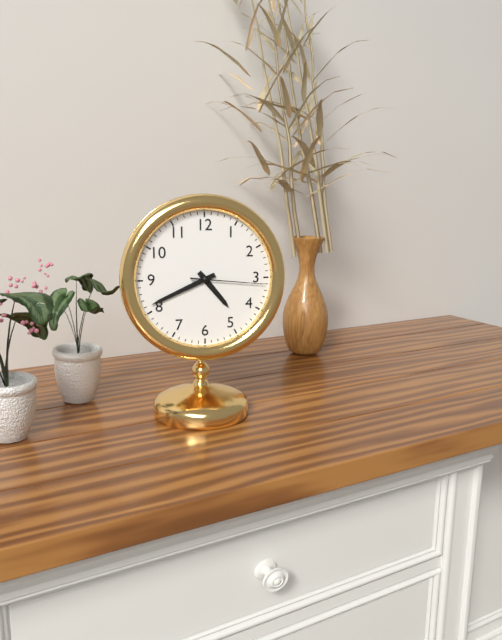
4:41:16
